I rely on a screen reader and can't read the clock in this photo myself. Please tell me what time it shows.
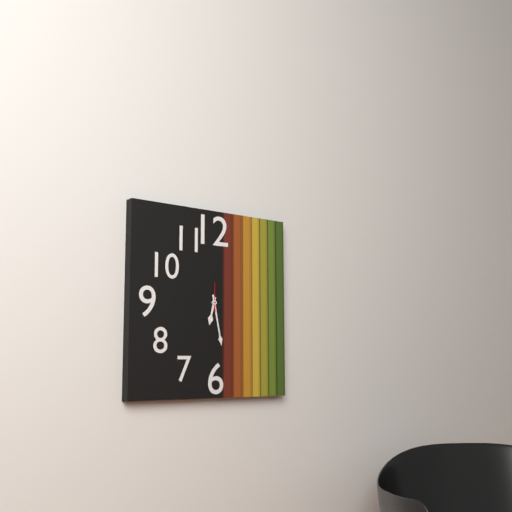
6:28
